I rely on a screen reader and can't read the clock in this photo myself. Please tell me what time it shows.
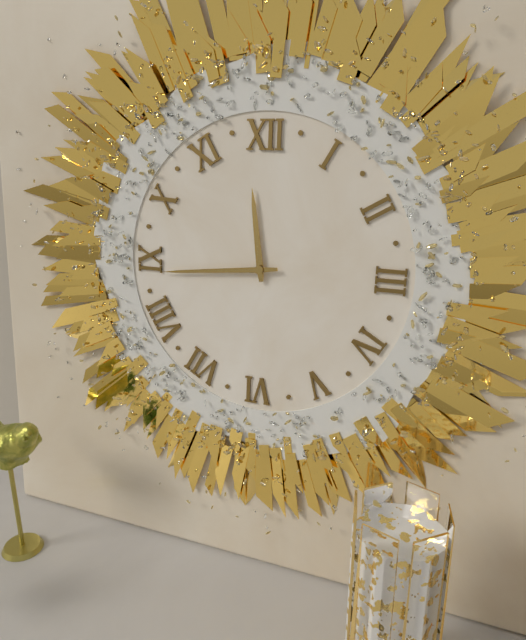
11:44
